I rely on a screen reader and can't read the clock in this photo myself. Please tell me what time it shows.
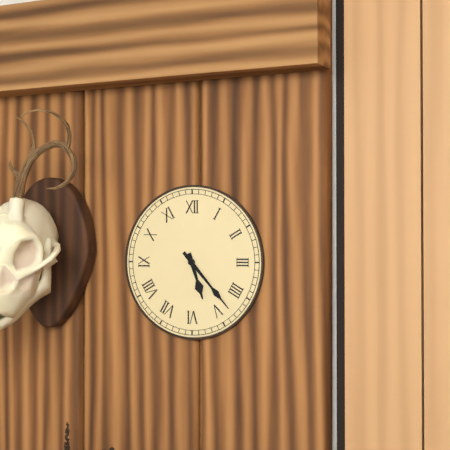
5:23
